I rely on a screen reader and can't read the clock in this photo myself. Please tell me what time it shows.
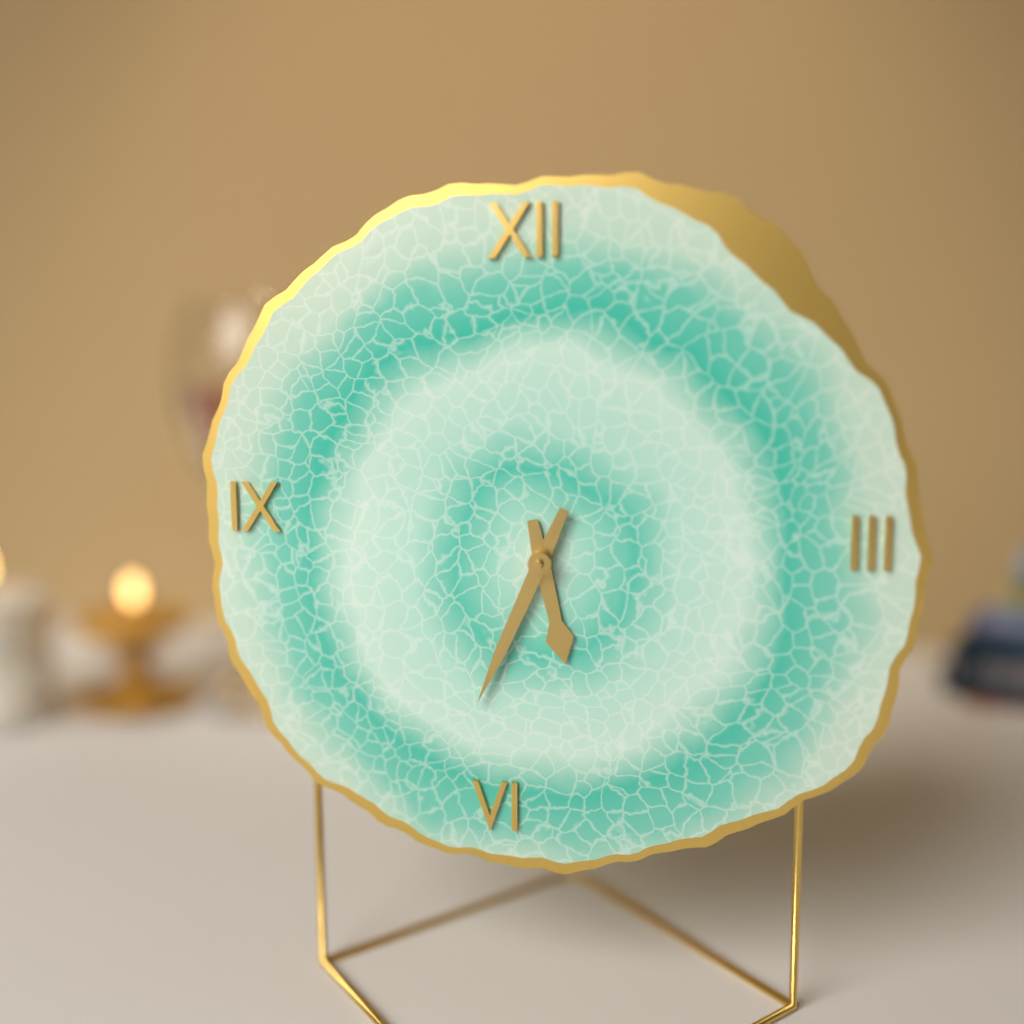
5:34
